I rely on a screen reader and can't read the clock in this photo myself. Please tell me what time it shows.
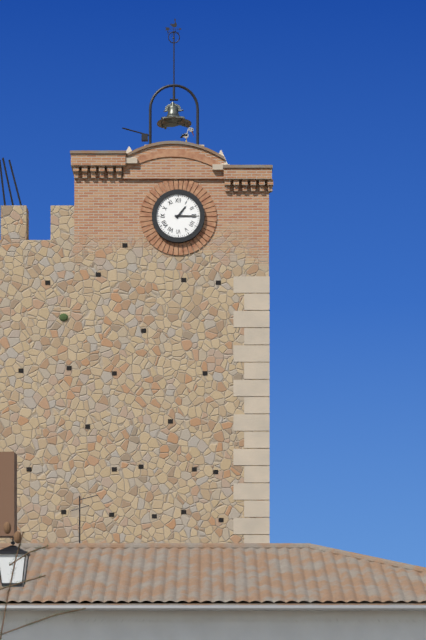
1:15
